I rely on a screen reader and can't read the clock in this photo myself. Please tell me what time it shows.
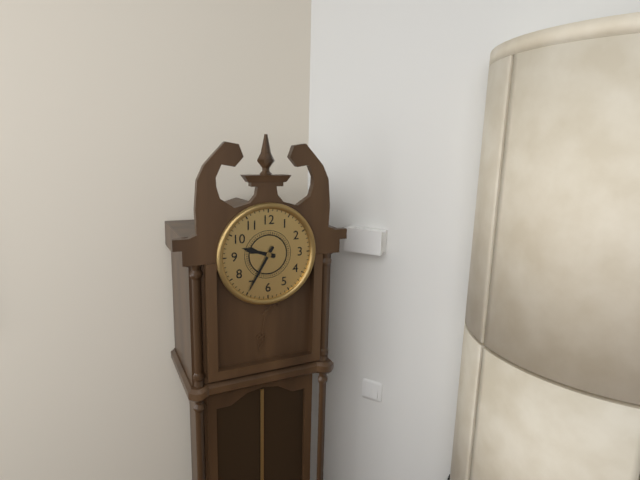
9:35
